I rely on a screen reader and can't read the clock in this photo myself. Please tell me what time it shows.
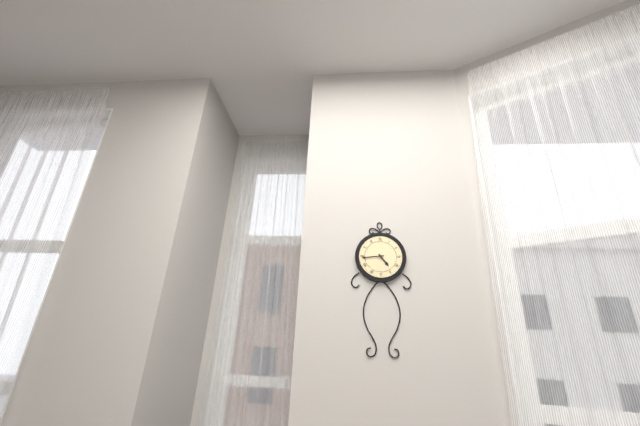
4:44
